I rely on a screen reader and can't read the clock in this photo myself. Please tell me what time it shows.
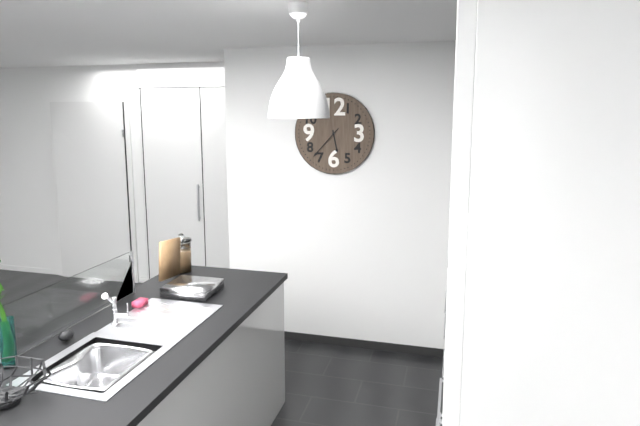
5:37
